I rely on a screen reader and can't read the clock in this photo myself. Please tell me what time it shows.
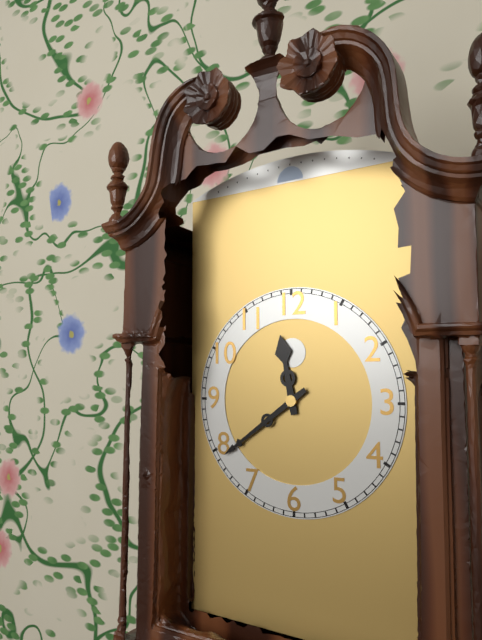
11:39
